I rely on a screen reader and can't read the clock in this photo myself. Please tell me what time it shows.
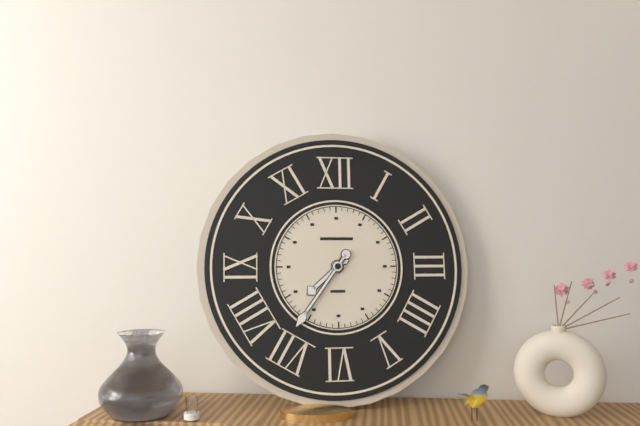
7:36
